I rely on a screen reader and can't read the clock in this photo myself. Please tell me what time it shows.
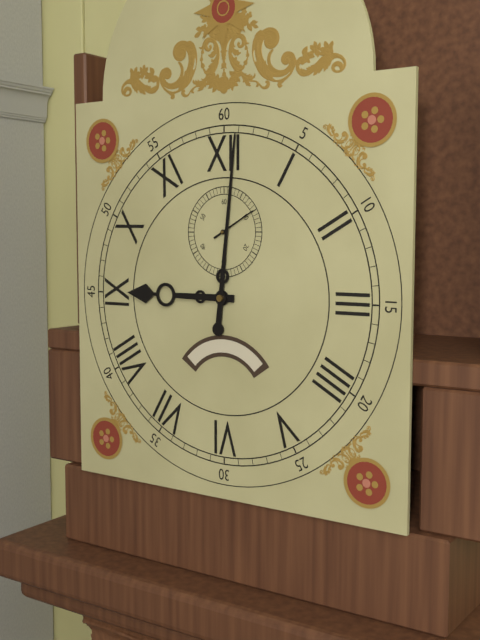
9:01
